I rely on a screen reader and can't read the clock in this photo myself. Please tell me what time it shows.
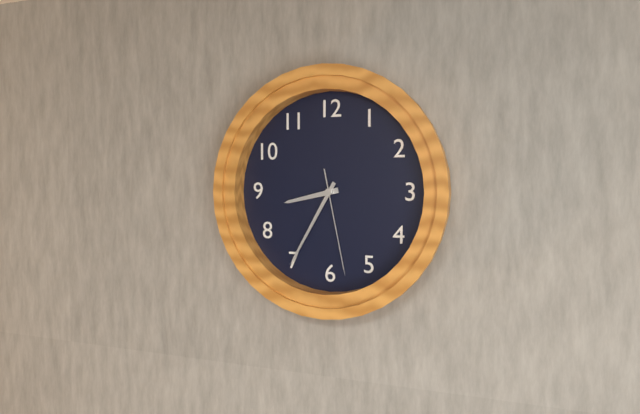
8:35:28
